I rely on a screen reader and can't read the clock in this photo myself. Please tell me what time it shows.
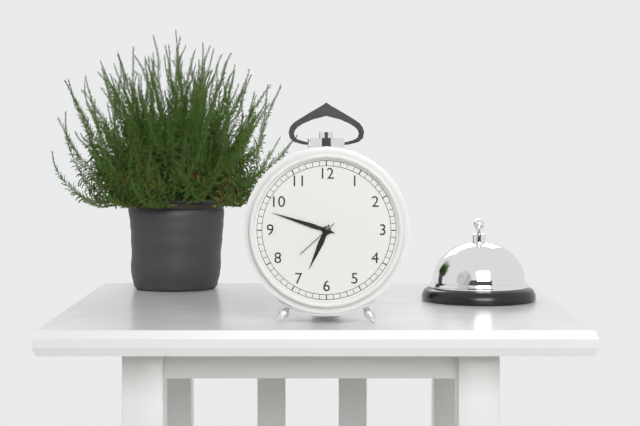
6:48
